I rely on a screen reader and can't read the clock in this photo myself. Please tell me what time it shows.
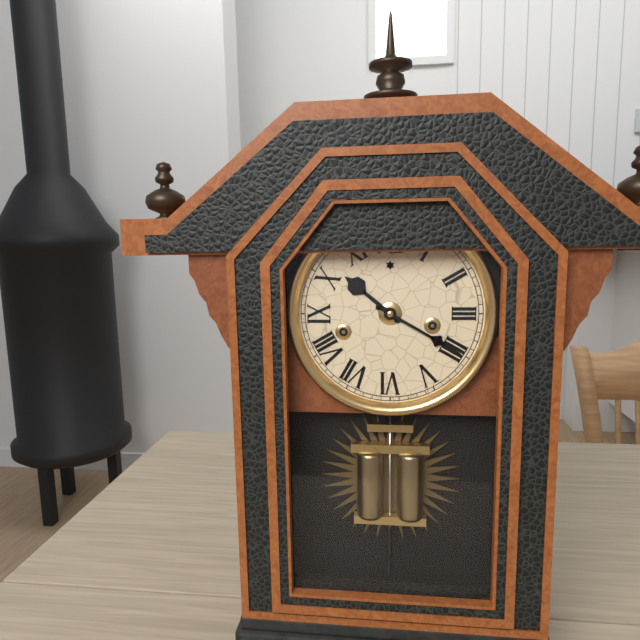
10:20
